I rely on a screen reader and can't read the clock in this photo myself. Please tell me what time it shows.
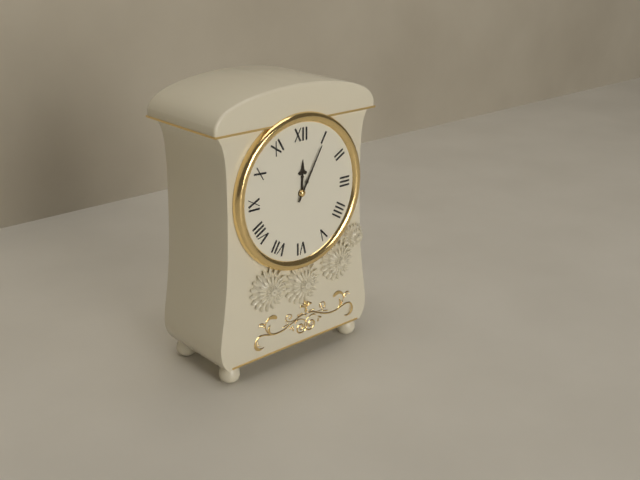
12:05
